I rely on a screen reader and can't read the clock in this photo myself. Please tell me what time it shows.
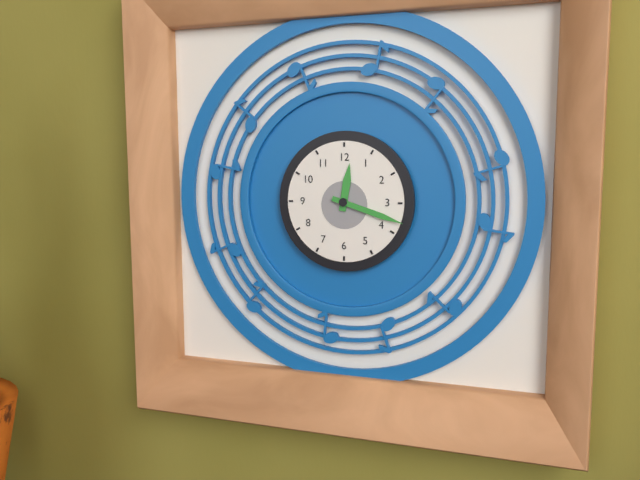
12:18
